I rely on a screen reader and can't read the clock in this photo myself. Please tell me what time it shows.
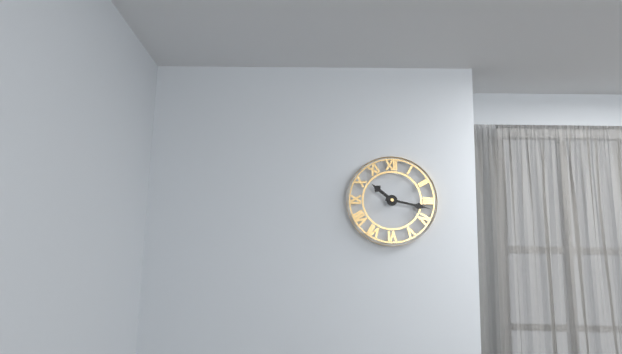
10:17
